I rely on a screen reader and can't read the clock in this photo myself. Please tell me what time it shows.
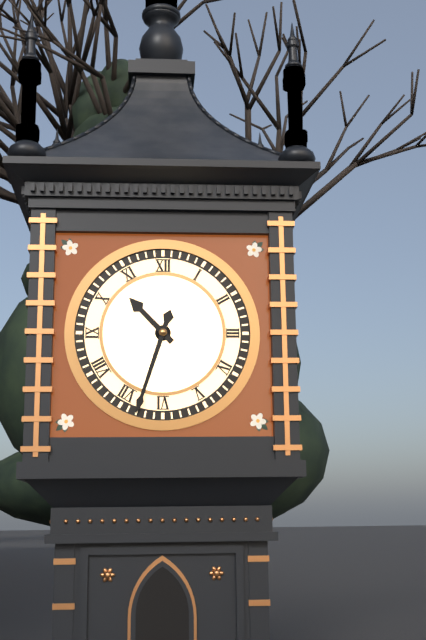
10:33
